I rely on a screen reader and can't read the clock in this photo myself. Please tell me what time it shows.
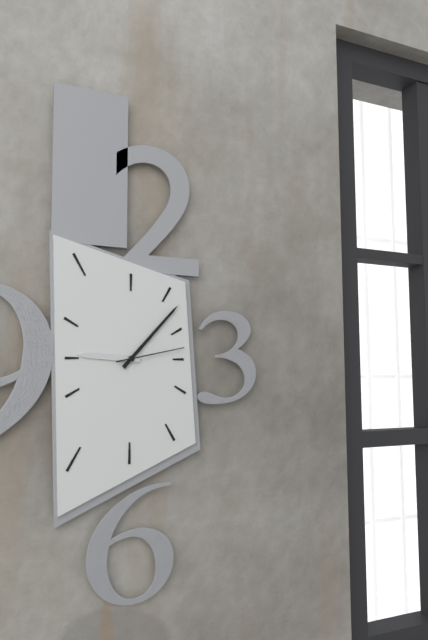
9:07:13
